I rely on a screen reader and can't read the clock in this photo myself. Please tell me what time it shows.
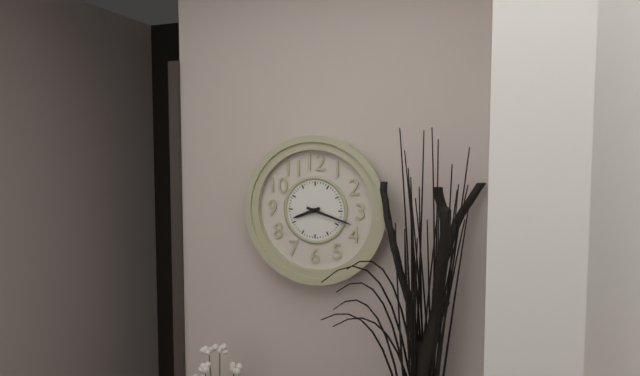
8:18
